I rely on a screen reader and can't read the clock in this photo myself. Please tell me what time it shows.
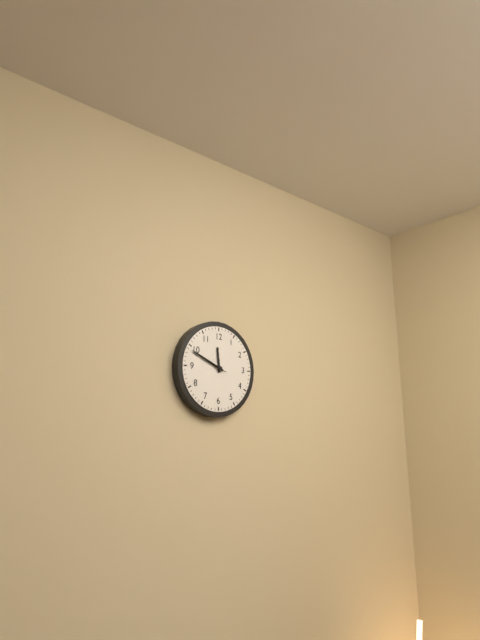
11:49
